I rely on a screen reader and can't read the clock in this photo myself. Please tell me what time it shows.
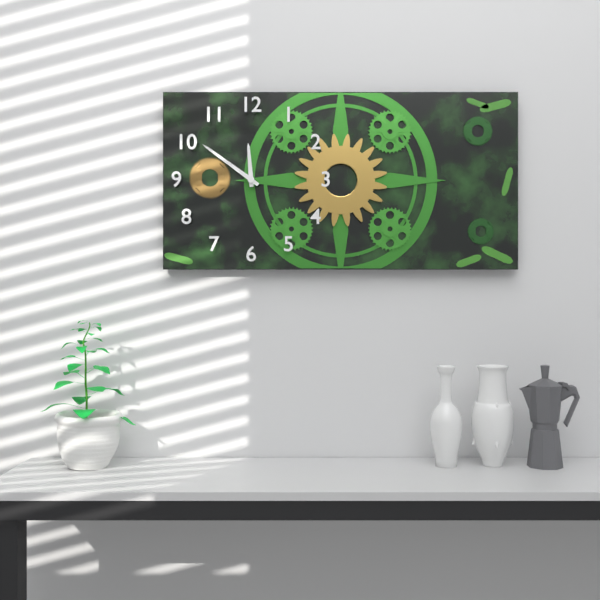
11:51
